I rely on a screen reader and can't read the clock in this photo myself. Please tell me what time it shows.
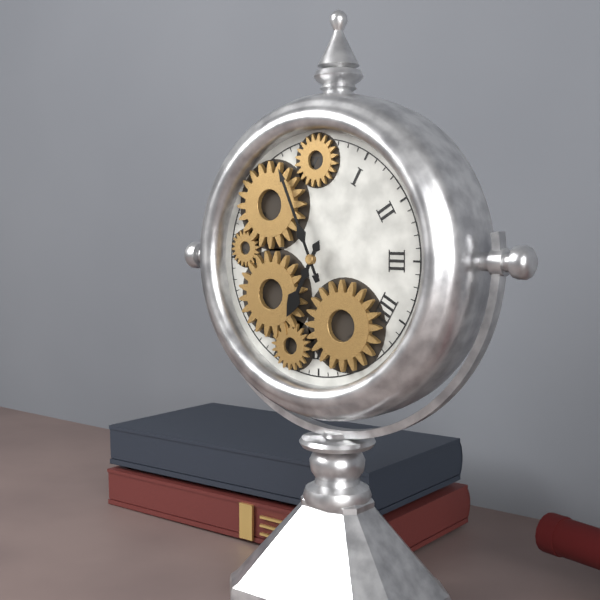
6:56
